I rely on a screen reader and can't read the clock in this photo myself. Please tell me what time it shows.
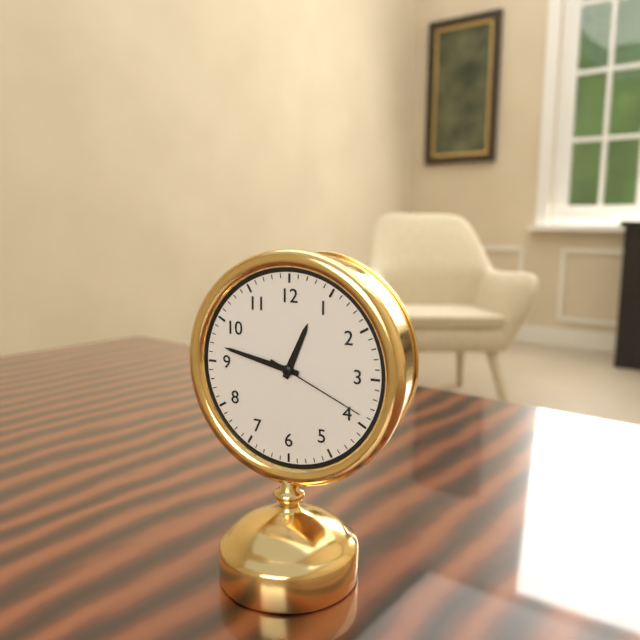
12:47:19
